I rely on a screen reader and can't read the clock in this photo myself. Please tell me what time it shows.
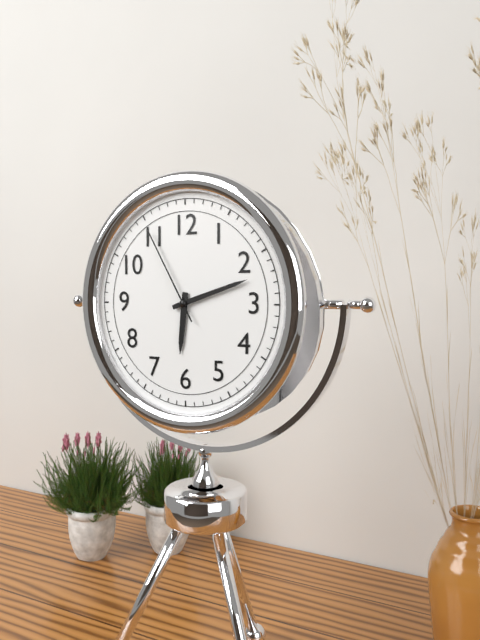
6:12:55
